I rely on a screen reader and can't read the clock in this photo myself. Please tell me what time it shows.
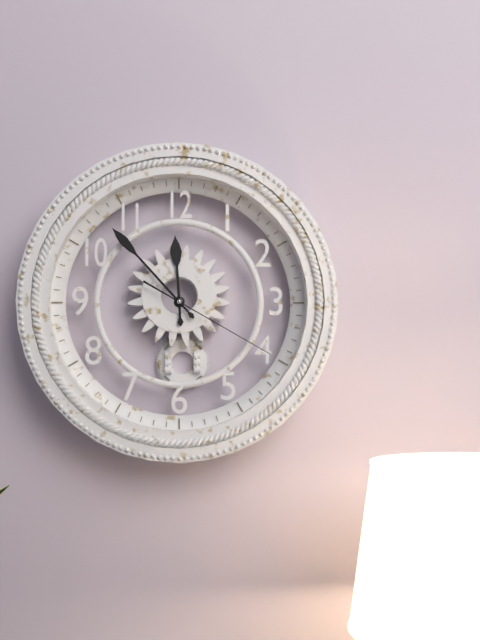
11:53:20
